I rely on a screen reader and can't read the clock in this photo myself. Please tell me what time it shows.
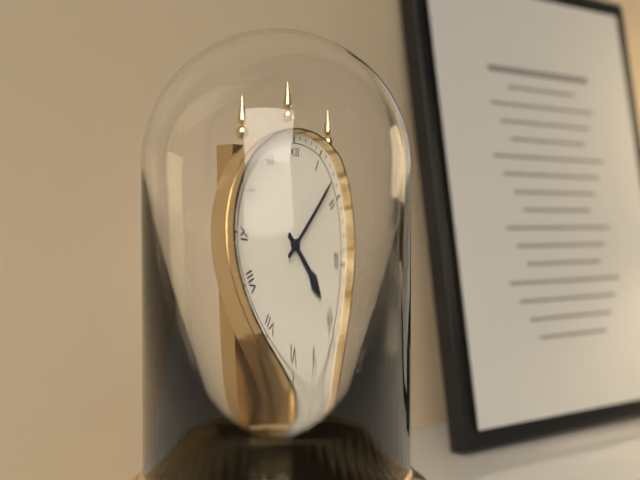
4:08
